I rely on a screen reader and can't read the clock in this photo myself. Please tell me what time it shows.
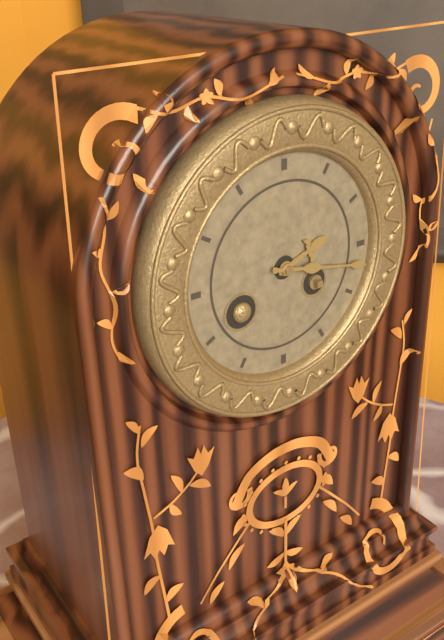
2:17
